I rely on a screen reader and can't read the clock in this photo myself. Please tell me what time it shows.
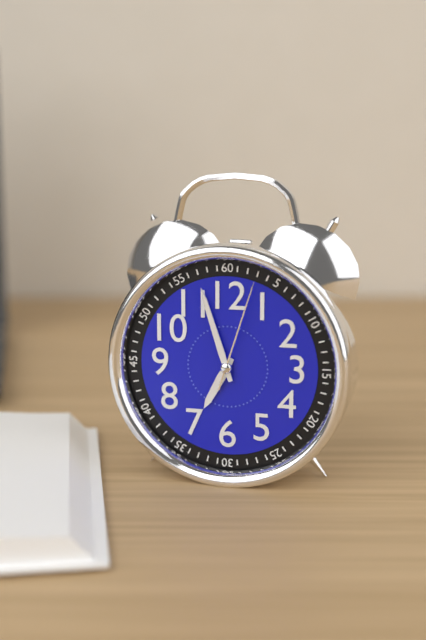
6:57:03
